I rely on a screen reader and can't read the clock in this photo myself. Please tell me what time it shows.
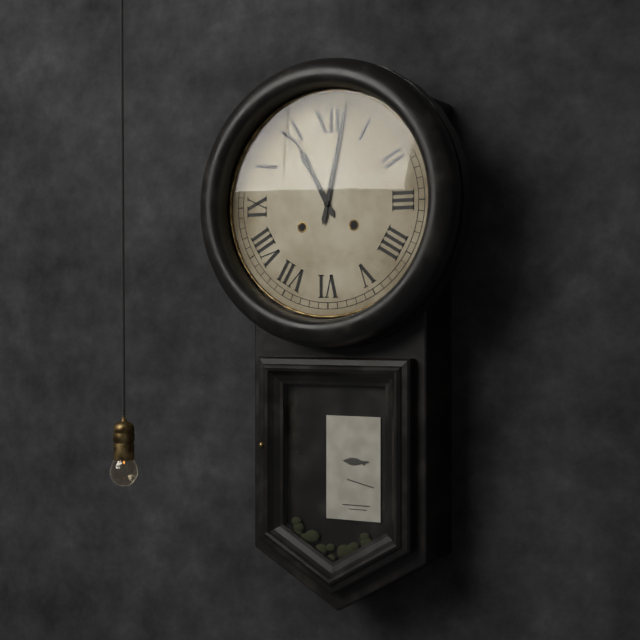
11:02
